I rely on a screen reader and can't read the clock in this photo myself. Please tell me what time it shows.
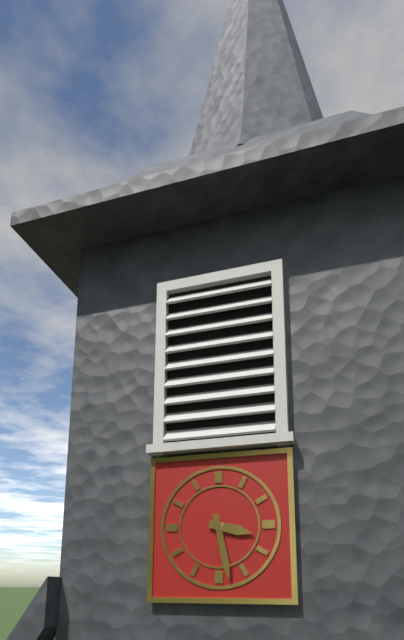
3:28
